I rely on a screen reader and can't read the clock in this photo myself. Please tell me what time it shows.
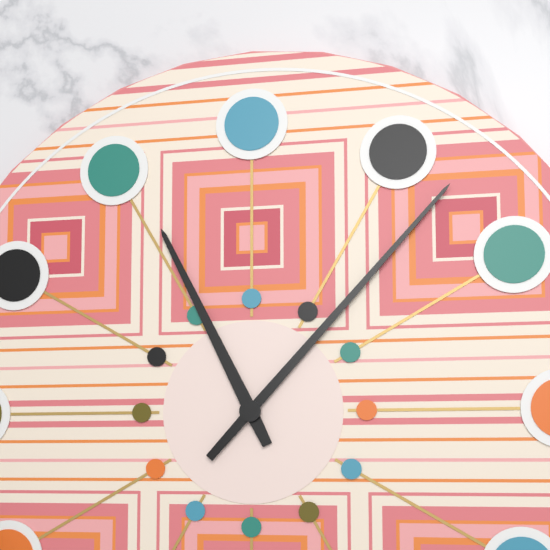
11:07
